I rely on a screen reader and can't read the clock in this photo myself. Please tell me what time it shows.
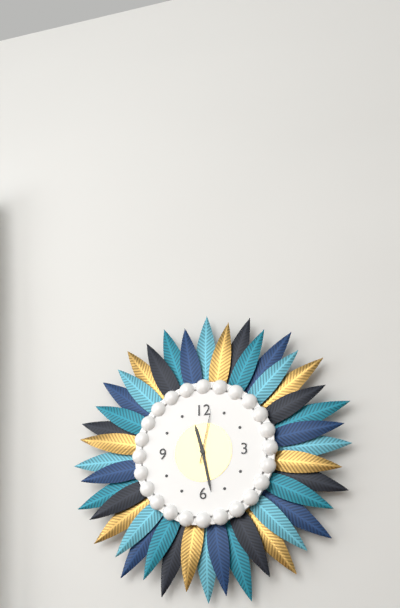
11:28:02
